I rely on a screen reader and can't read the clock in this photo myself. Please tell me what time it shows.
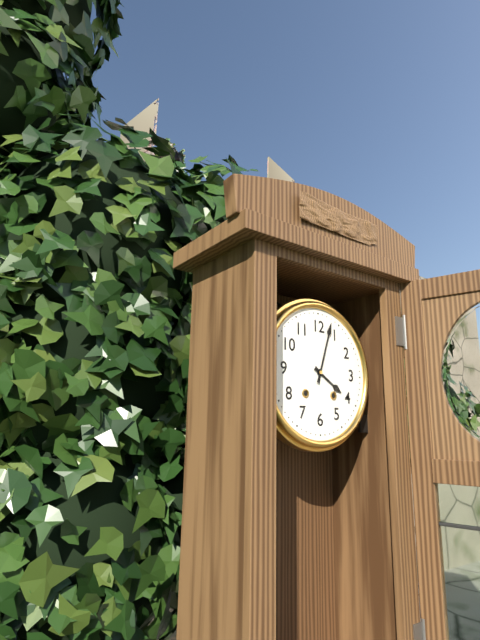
4:03
